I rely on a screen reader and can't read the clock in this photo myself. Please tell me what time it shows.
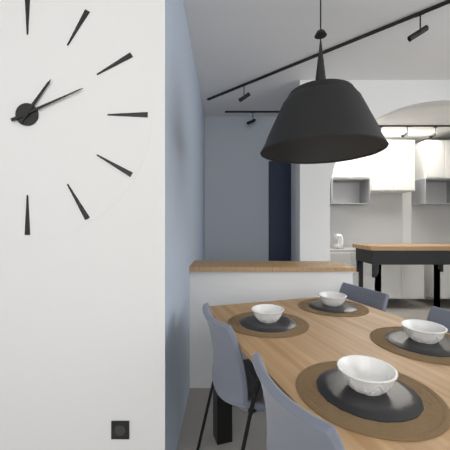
1:11
